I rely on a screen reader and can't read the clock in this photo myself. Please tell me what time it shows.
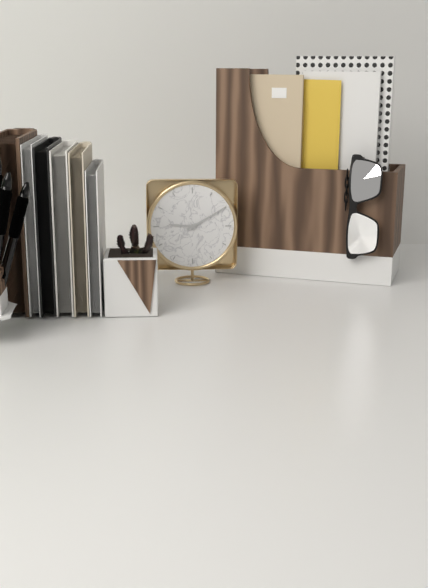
9:10
